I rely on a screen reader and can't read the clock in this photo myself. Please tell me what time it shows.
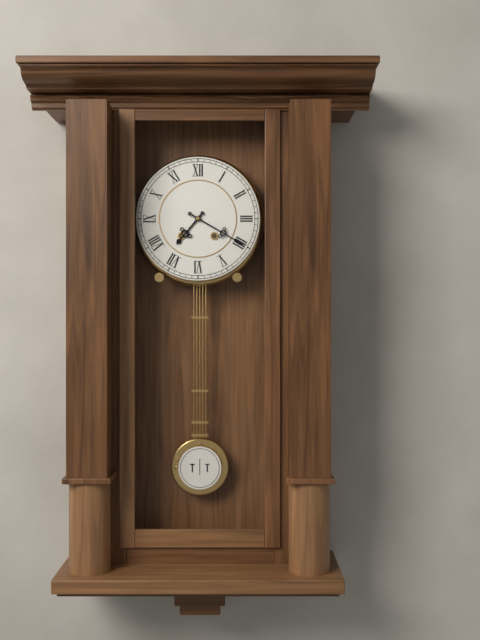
7:20
